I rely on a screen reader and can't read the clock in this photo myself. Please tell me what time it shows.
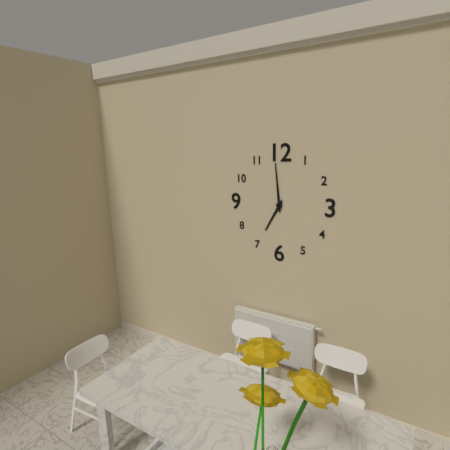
6:59
